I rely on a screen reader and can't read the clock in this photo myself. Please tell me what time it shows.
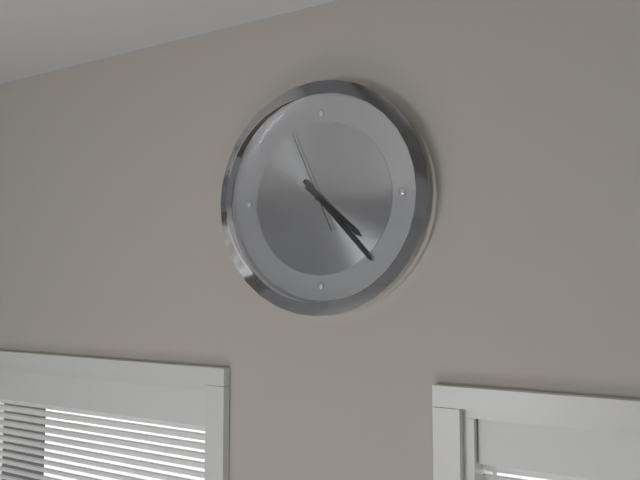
4:23:56
